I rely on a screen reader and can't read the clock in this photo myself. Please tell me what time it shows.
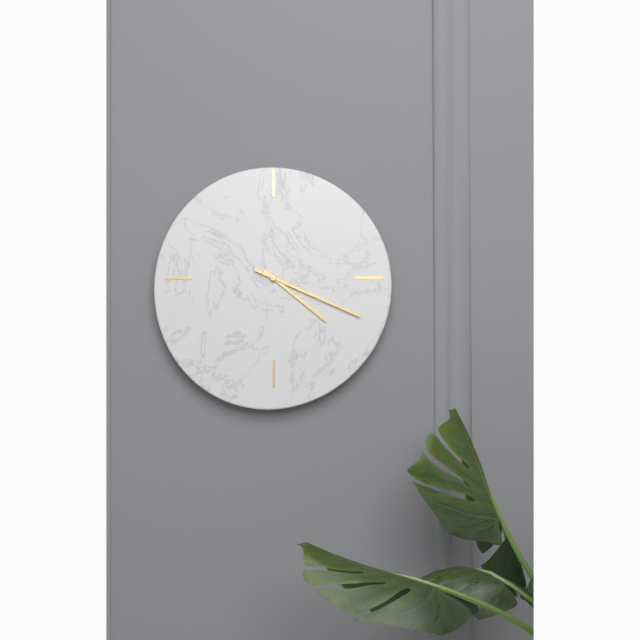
4:19
